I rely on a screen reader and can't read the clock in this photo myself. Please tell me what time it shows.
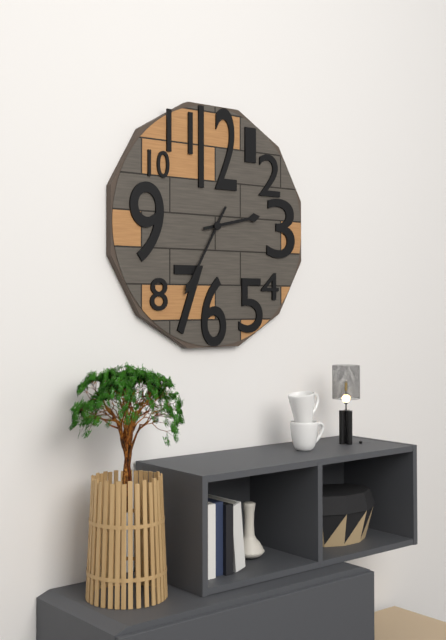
2:35
